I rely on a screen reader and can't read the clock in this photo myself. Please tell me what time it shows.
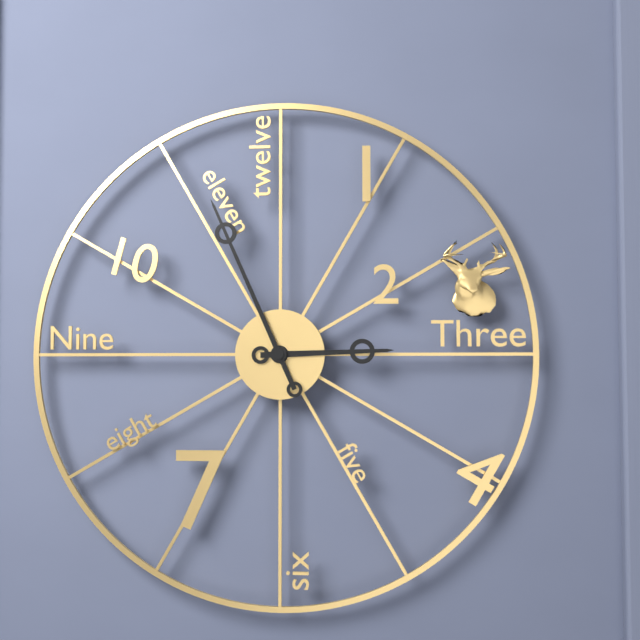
2:56
